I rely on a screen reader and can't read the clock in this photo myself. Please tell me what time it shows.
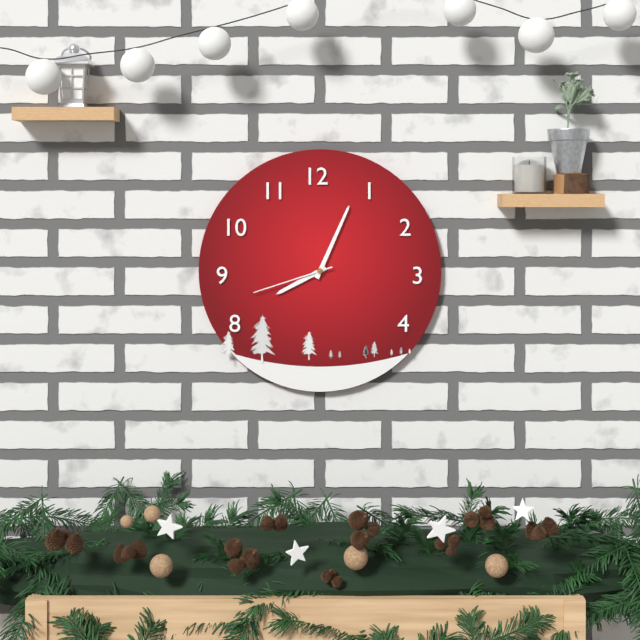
8:04:42
